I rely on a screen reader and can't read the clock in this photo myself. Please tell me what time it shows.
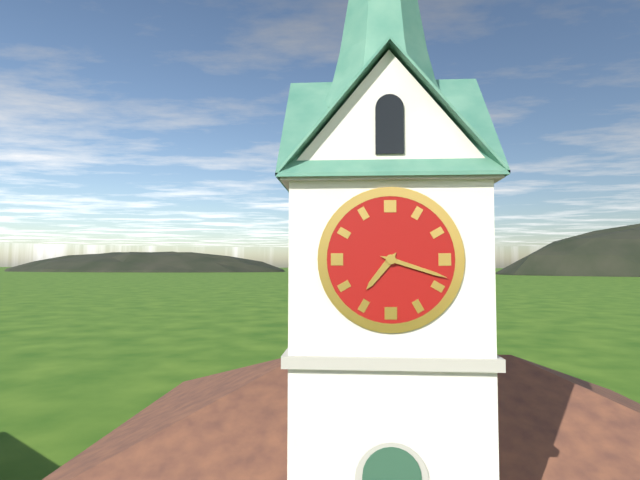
7:18
